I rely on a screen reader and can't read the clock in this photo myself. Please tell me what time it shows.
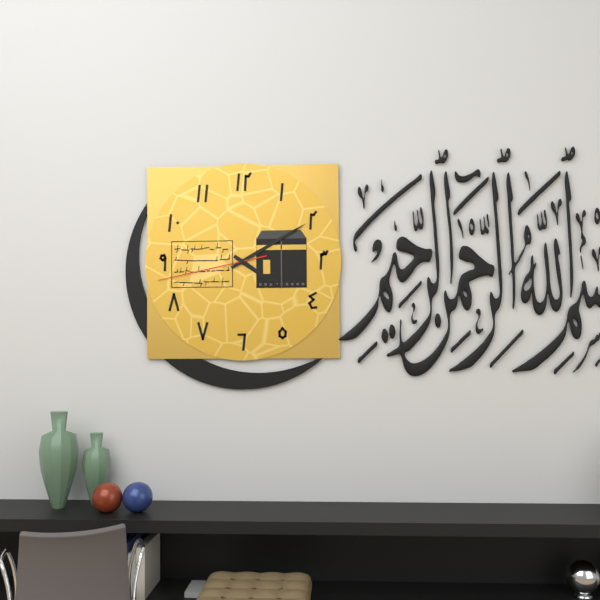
4:10:43
